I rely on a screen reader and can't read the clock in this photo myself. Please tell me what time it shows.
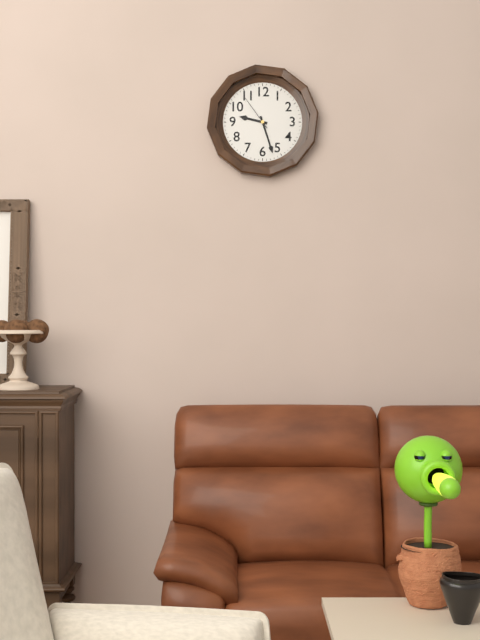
9:27
